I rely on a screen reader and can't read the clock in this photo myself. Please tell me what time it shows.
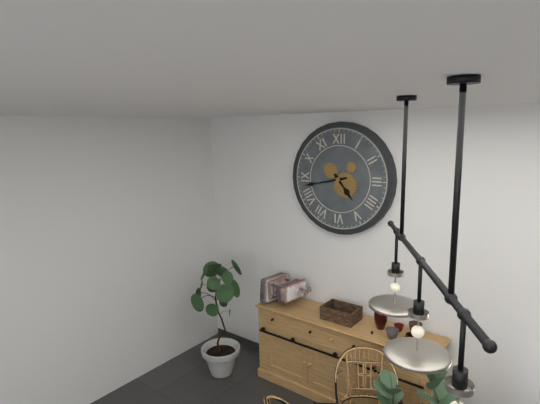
4:43
